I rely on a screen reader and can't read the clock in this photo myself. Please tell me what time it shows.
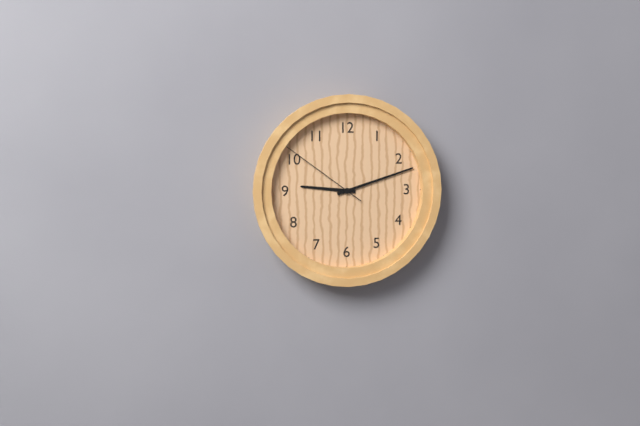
9:12:51
